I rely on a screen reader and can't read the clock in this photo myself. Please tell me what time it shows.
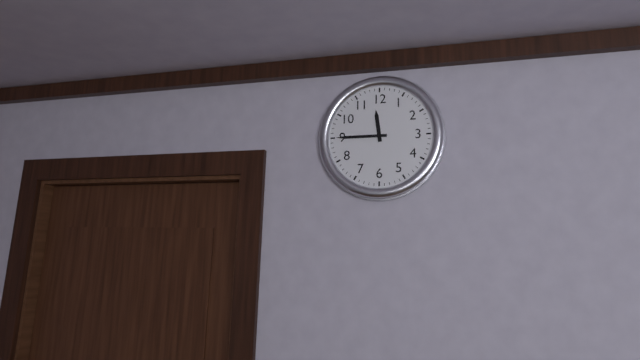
11:45
